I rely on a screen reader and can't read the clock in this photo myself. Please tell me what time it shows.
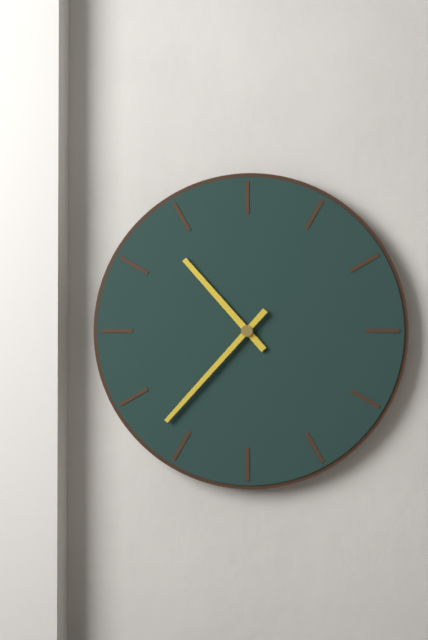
10:37
